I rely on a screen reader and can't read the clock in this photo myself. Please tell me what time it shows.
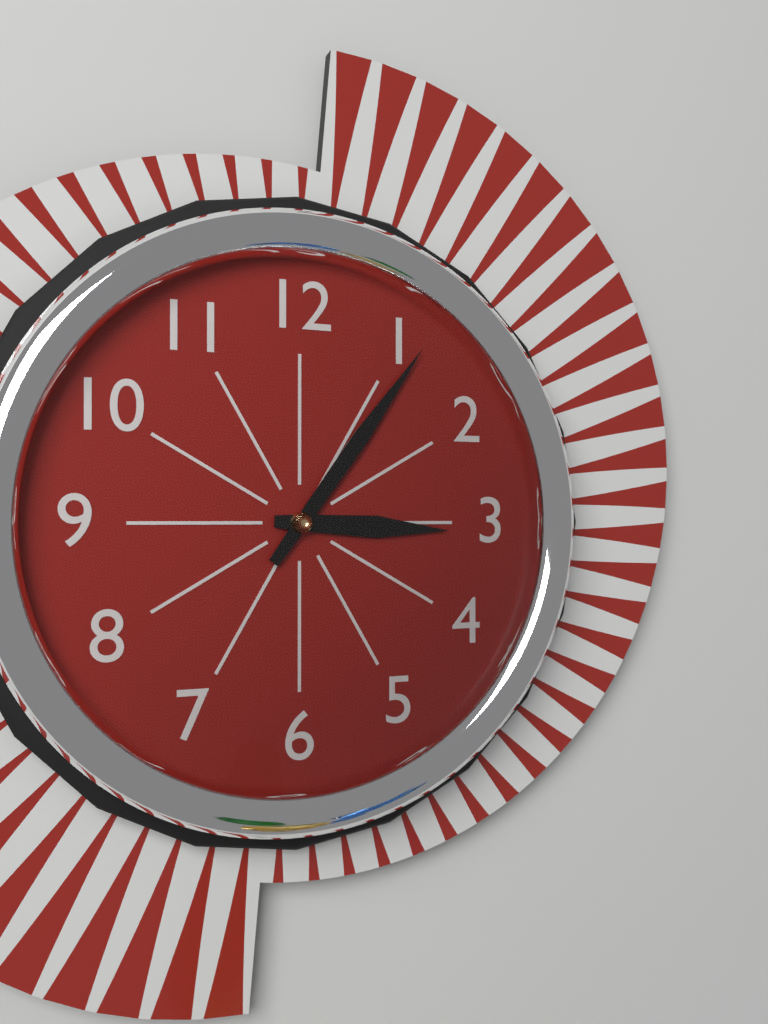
3:06
